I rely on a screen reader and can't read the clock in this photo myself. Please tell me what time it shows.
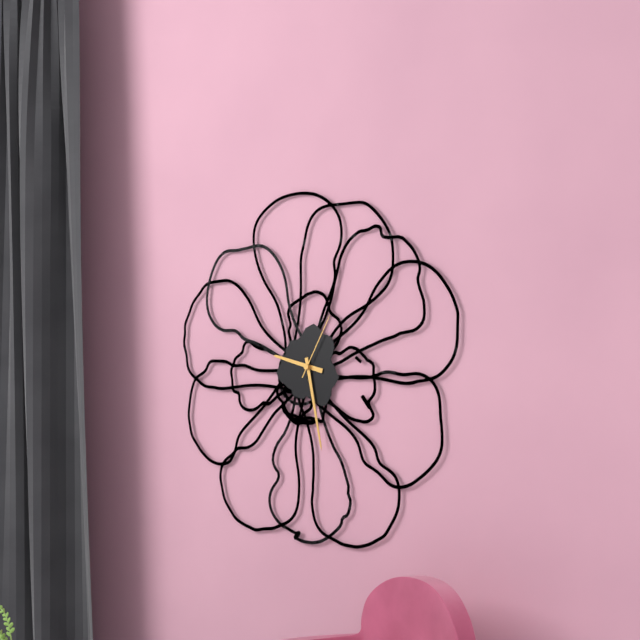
9:28:05
